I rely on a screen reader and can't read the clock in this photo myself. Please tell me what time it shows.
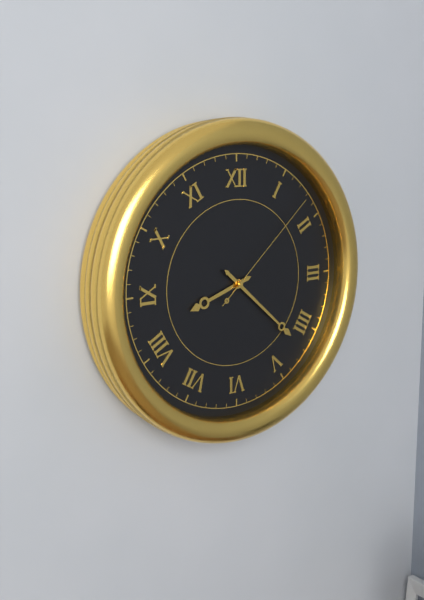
8:22:08
